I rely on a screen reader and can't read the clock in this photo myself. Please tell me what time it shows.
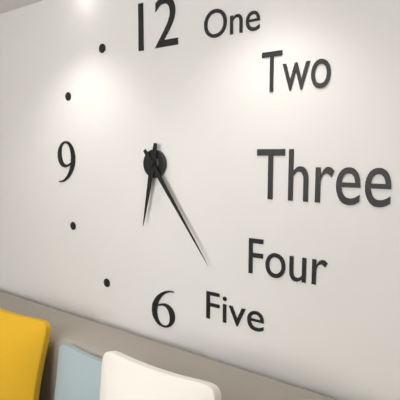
6:24
